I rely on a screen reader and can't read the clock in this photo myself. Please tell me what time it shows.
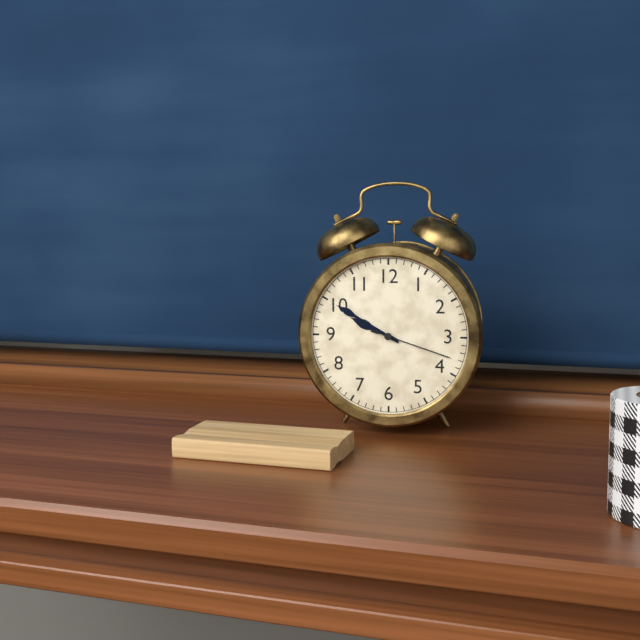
9:50:18
